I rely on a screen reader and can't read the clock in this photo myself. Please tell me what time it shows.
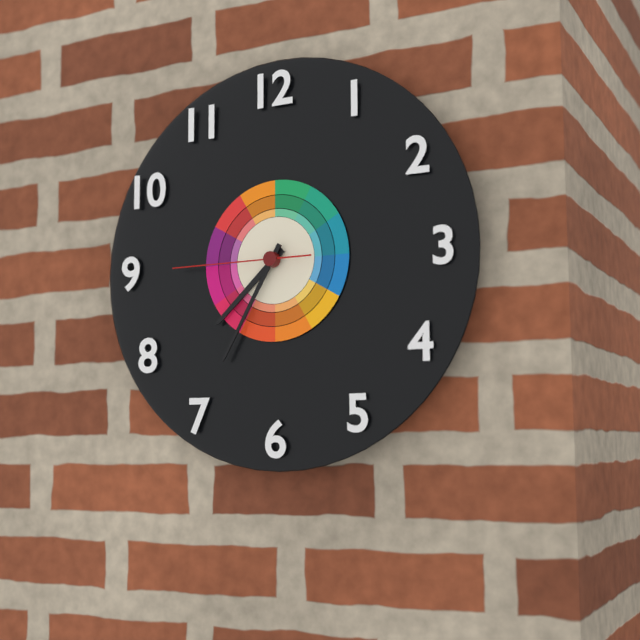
7:35:45
